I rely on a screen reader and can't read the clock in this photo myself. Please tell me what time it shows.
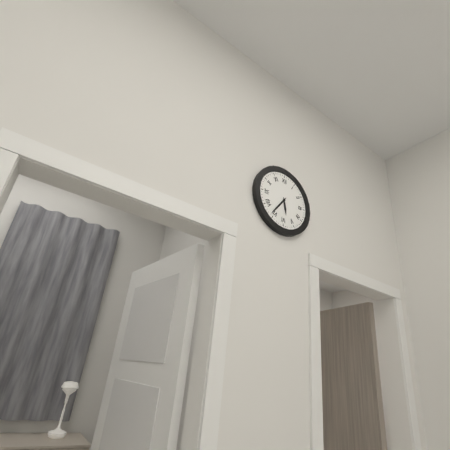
5:36
